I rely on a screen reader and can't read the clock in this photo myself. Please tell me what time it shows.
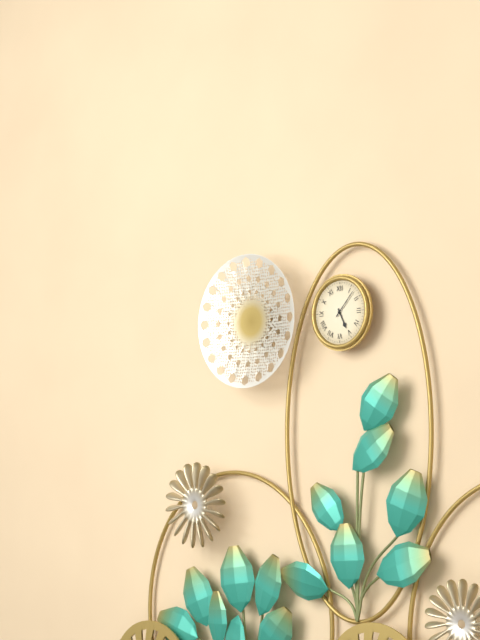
5:07
